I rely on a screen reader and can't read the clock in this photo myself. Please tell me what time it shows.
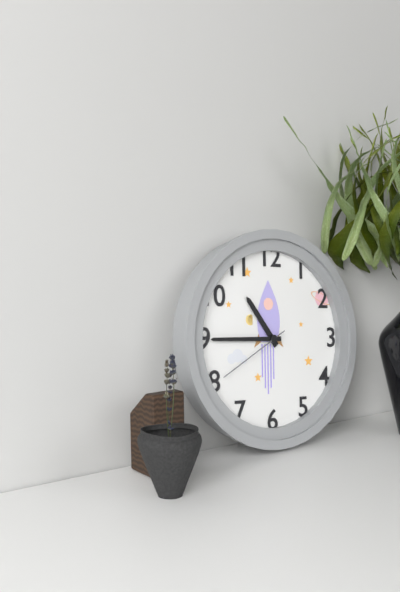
10:45:40
